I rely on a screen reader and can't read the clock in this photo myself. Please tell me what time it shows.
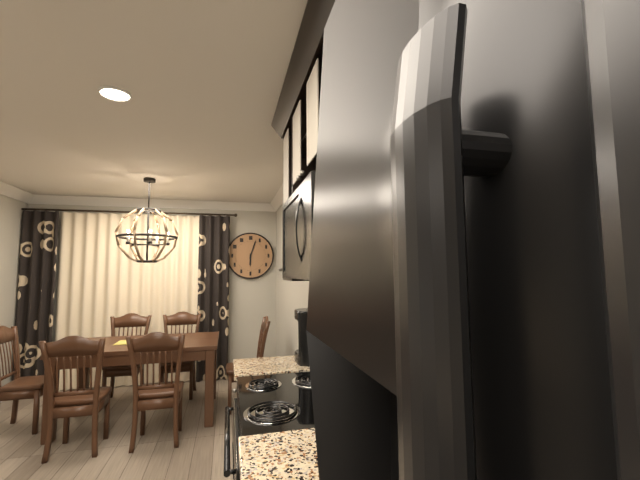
6:03
